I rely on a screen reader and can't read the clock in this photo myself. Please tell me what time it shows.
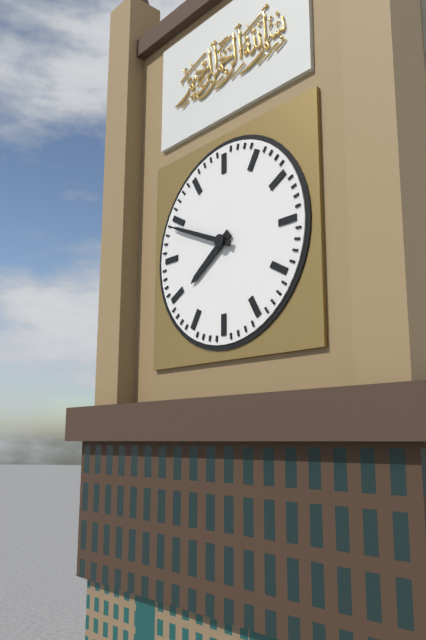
7:49
